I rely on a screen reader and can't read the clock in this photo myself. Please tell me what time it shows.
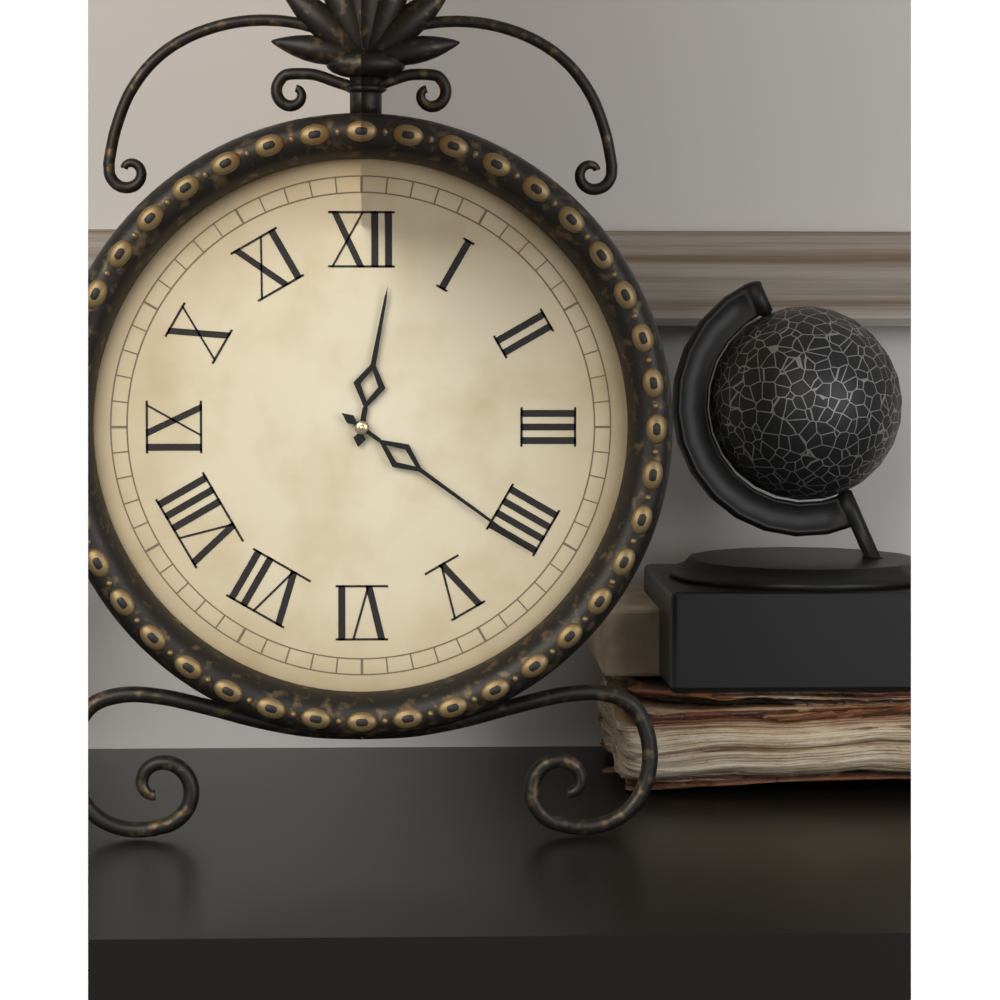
12:21
